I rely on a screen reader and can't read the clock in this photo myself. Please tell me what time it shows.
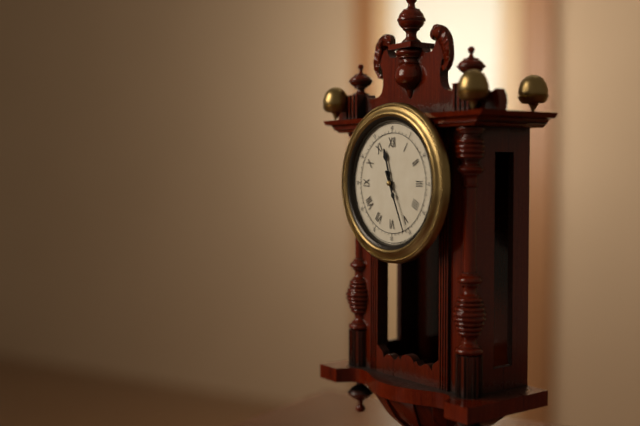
11:26
